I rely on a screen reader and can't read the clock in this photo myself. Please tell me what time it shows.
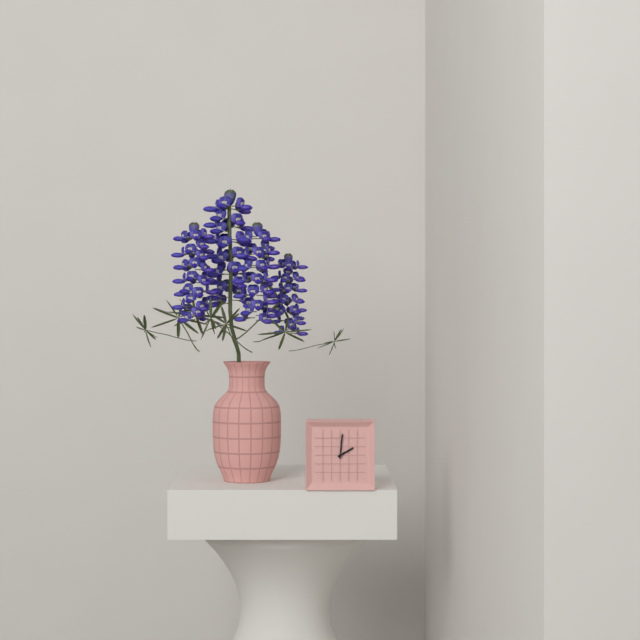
2:01
